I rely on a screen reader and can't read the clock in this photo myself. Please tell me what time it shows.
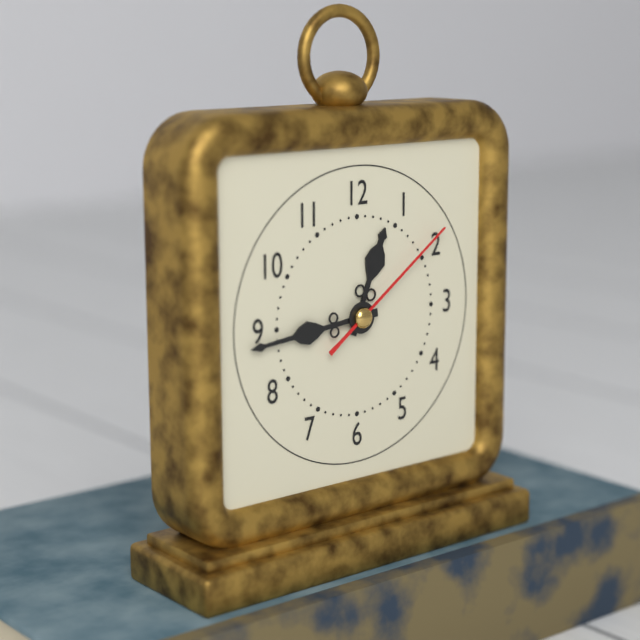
12:44:09
